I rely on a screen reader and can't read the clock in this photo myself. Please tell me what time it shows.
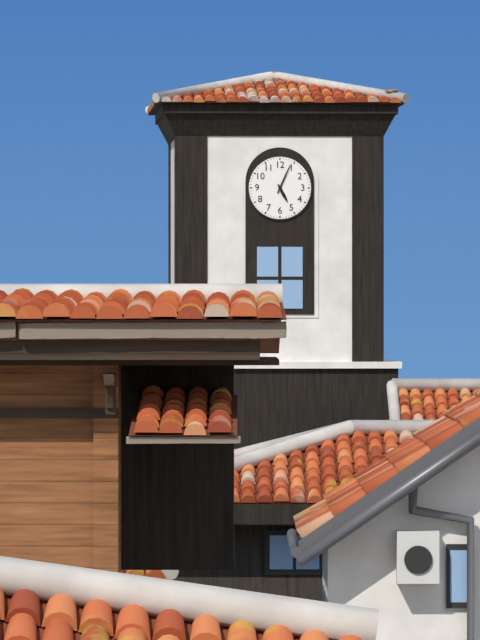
5:04
